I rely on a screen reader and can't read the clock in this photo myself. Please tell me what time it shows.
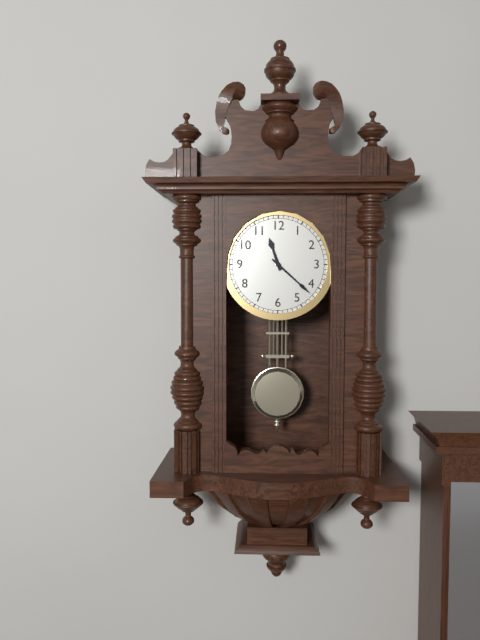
11:22
